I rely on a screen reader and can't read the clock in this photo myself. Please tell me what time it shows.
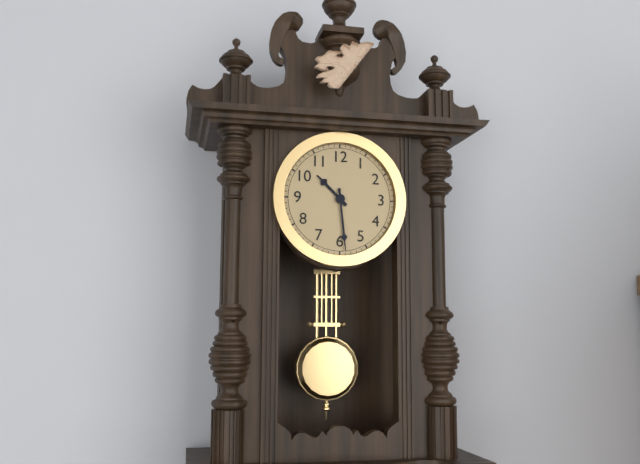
10:29
